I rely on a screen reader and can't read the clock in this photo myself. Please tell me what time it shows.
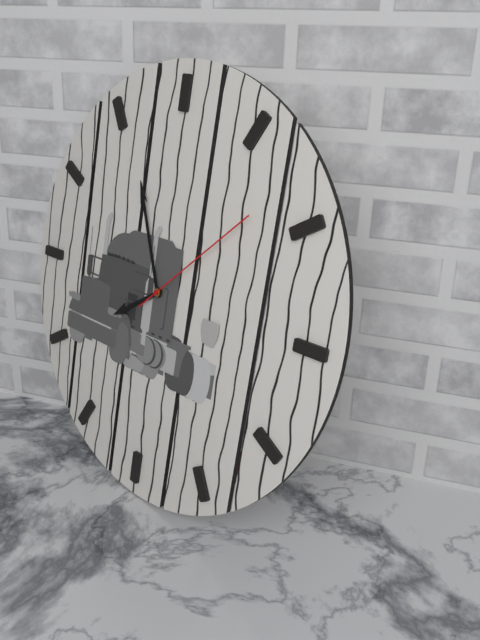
7:56:08
